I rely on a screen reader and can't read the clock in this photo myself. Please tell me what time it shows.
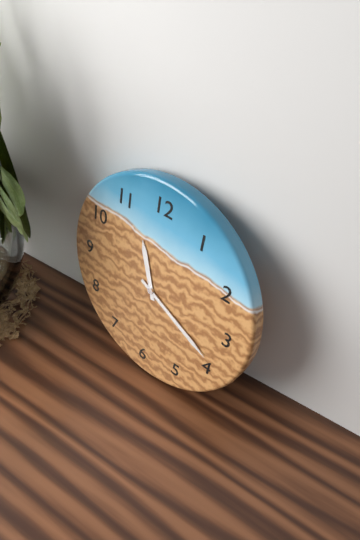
11:19
